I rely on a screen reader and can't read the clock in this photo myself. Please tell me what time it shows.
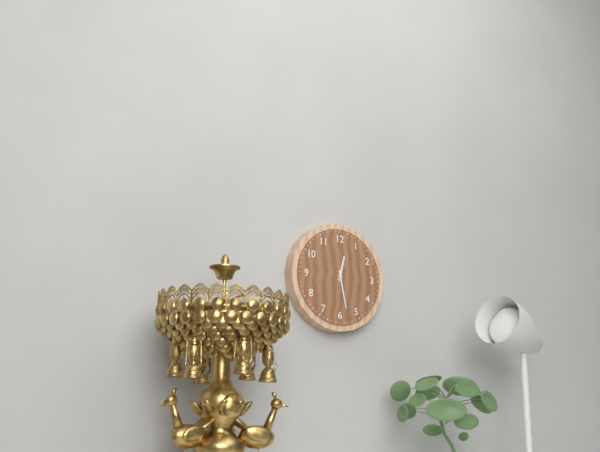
12:28
